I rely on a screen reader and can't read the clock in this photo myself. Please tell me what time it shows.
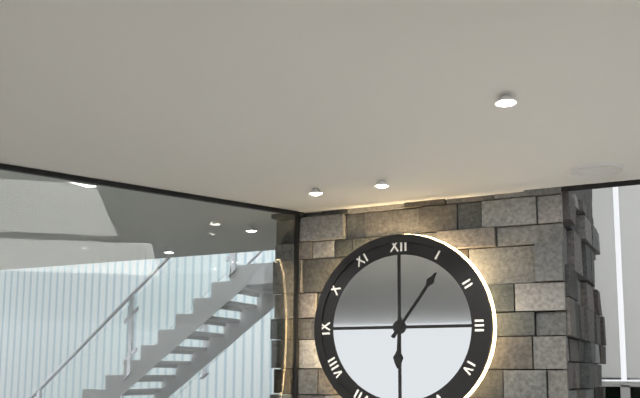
6:06
